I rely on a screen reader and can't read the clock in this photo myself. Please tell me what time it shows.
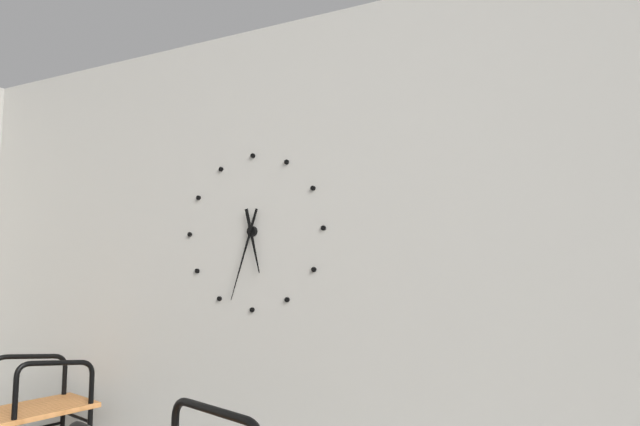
5:33
